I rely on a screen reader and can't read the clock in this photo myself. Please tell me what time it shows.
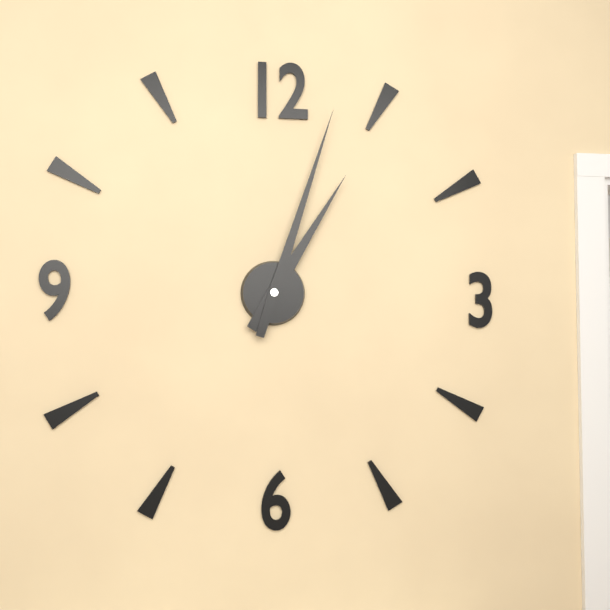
1:03
